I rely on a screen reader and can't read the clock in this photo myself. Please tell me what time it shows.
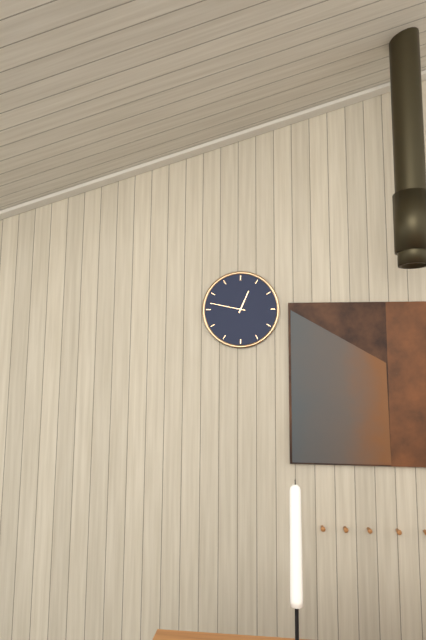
12:47
